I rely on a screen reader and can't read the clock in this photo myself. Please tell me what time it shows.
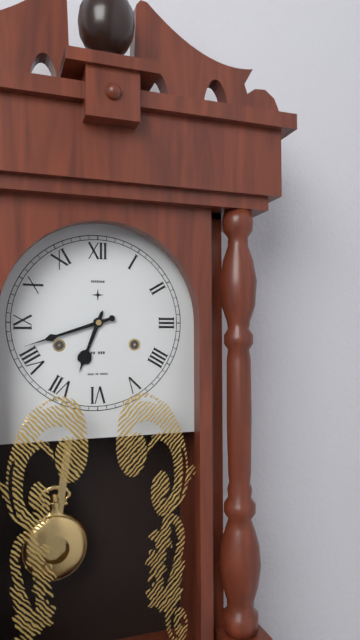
6:42
